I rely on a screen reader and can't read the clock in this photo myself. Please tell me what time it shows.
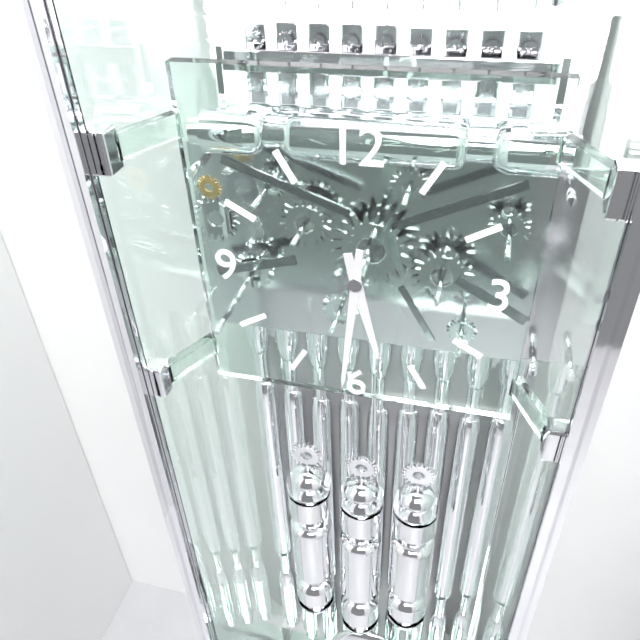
5:31
